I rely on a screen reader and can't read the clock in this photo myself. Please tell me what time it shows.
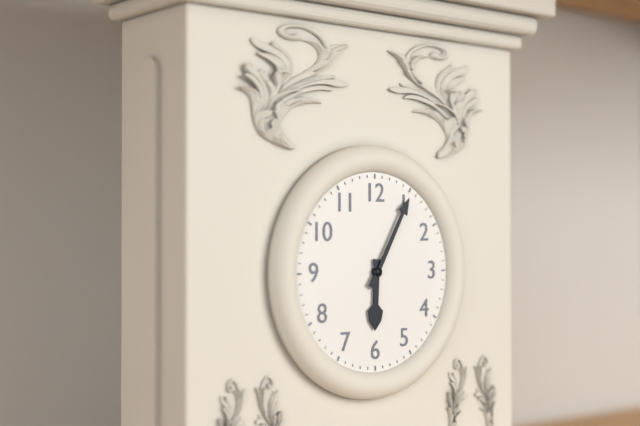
6:05
